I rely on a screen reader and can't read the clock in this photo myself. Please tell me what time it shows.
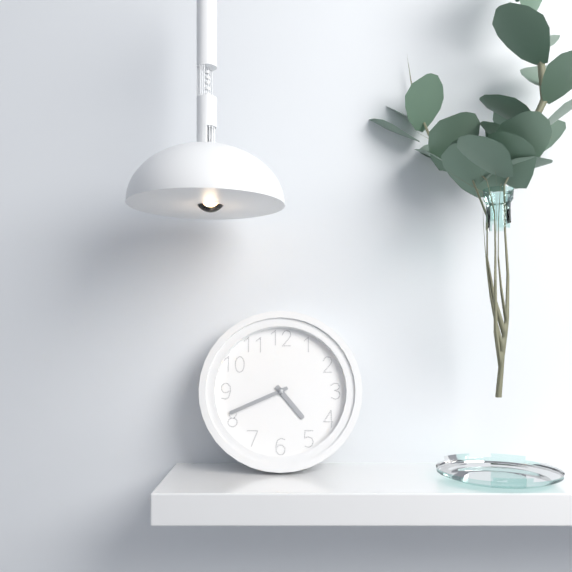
4:41
